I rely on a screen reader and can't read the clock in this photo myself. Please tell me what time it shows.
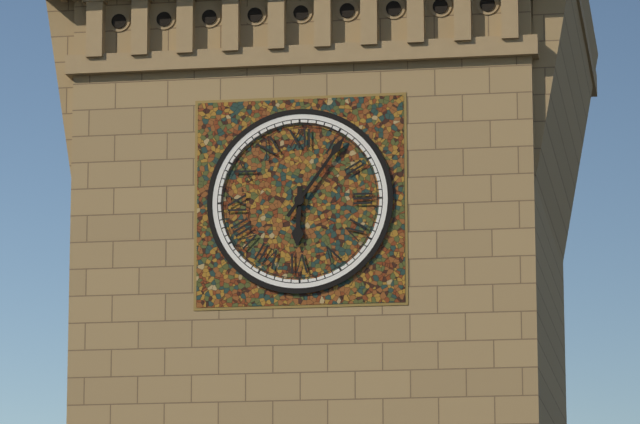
6:06
